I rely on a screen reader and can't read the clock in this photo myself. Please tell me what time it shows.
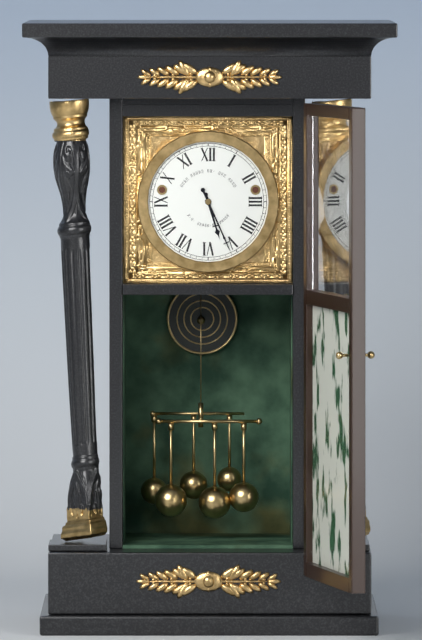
5:26
